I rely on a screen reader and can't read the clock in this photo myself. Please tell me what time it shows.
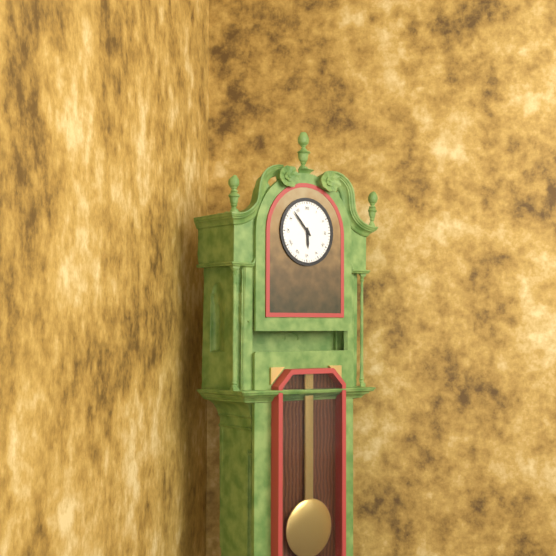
5:53
